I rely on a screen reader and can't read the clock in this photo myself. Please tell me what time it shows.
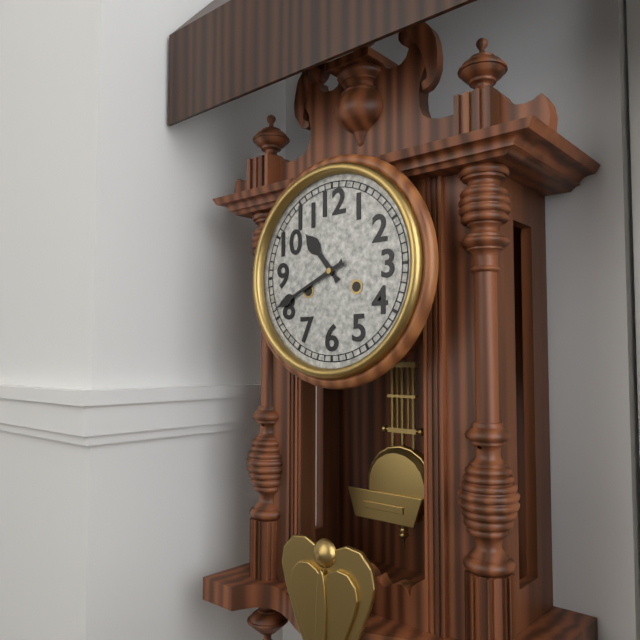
10:41
